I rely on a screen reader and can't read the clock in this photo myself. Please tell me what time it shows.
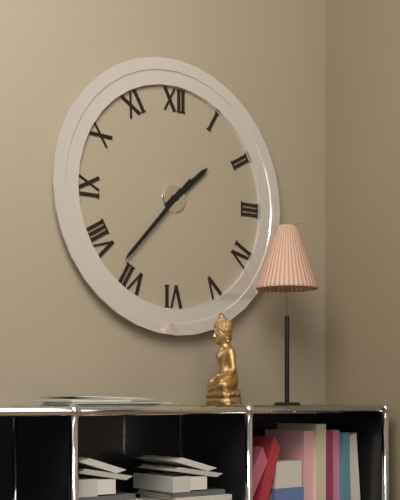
1:37
